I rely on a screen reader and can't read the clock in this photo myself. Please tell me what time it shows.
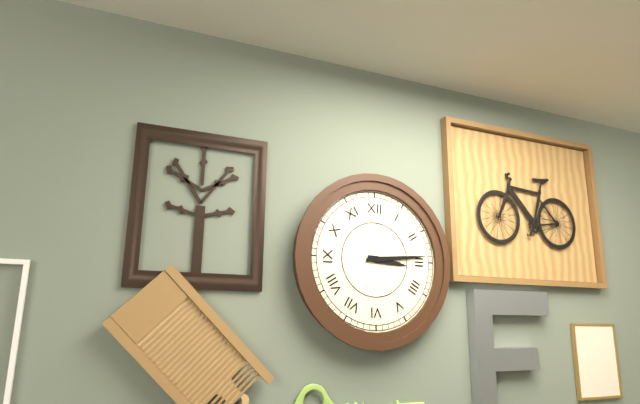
3:14
